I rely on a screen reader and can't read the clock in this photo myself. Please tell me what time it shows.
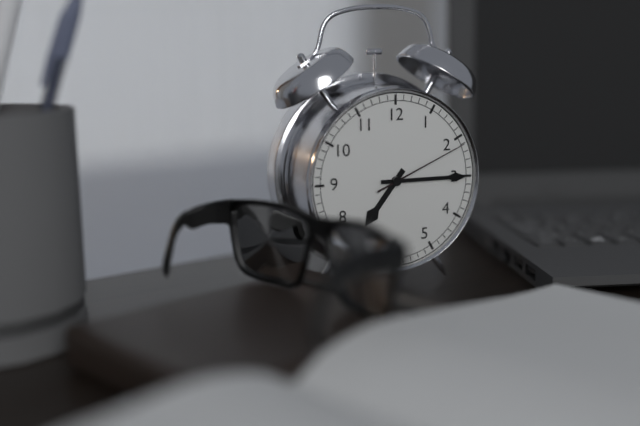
7:15:11
